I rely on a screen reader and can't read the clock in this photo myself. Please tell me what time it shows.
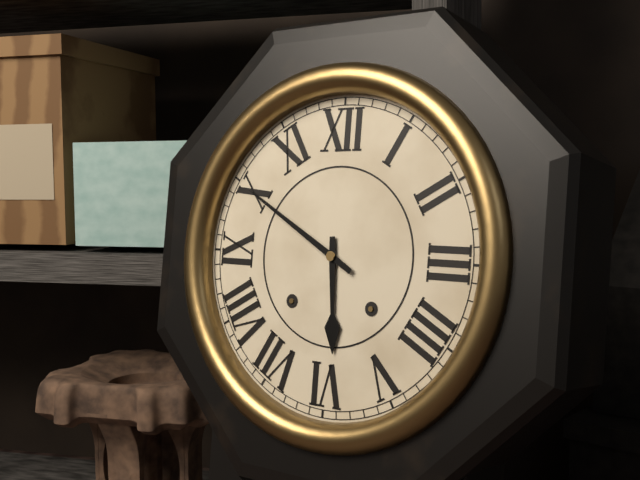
5:50
